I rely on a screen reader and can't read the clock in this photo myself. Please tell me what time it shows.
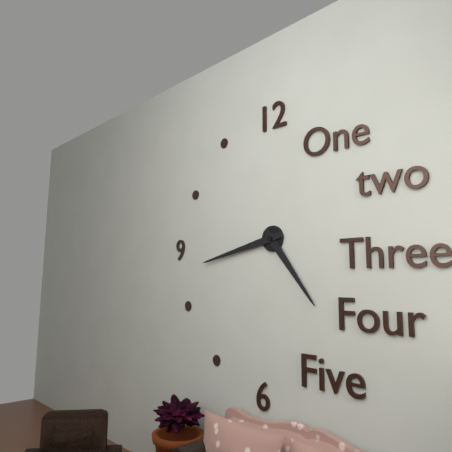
4:43
